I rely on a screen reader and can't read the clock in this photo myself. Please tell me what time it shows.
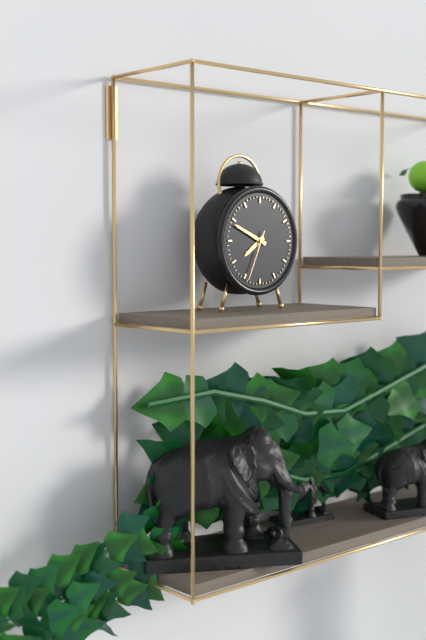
7:49:34
